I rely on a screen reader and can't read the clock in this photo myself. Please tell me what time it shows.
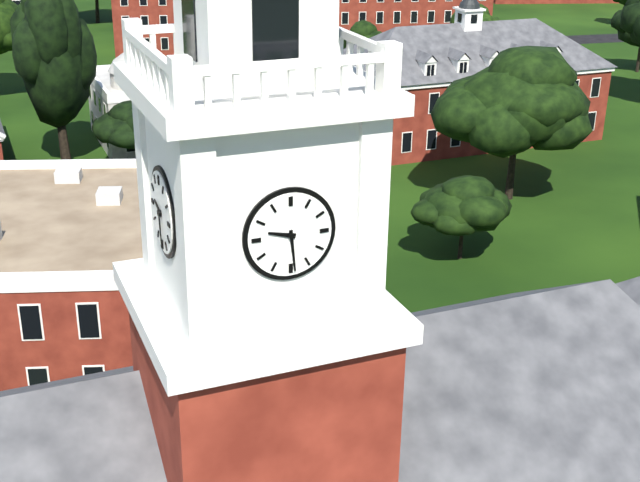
9:29
